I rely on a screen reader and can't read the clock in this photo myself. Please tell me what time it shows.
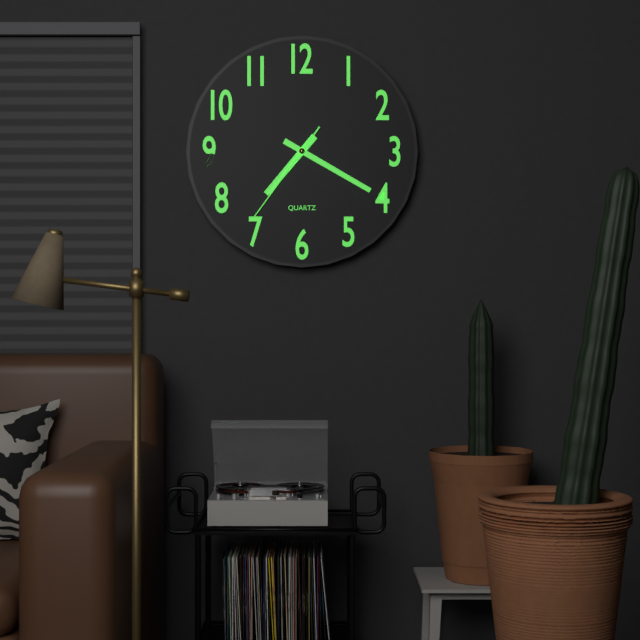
7:20:36
